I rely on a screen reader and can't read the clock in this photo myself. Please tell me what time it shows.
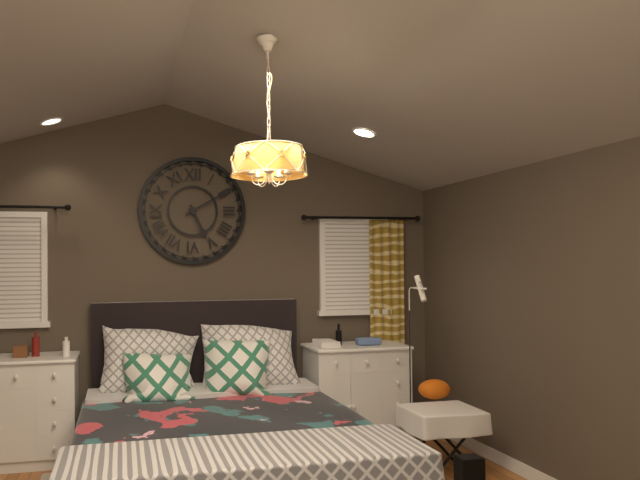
5:10
